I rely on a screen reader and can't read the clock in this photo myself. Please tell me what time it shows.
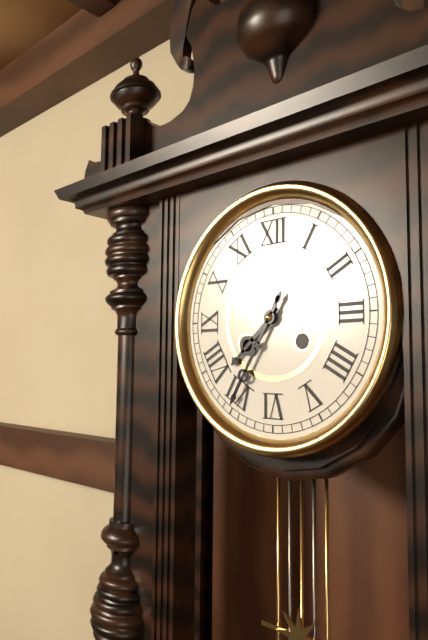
7:35
